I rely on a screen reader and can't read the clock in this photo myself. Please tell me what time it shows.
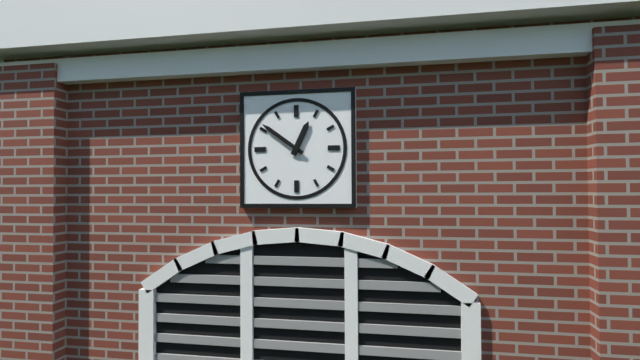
12:51
